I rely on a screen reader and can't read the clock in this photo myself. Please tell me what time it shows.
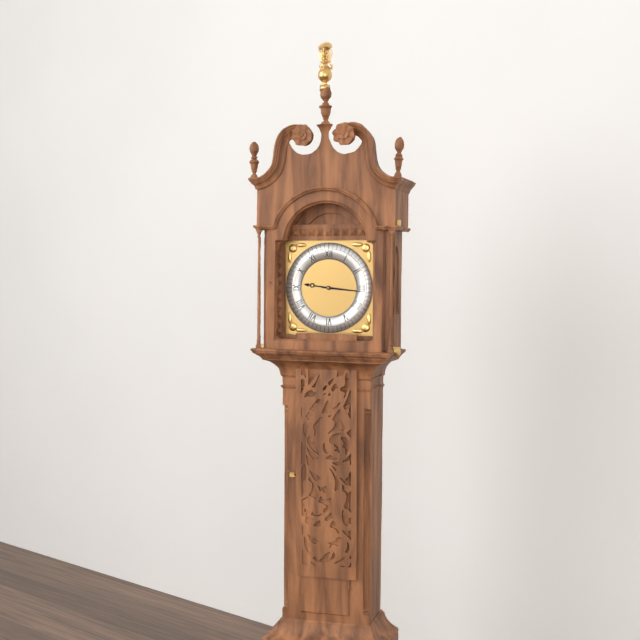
9:16
